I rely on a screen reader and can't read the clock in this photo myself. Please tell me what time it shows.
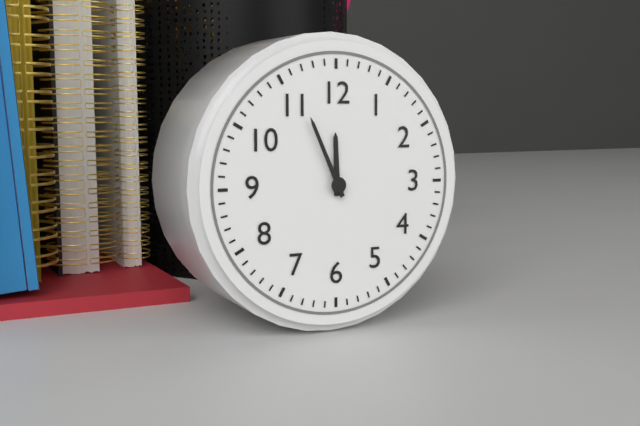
11:56
